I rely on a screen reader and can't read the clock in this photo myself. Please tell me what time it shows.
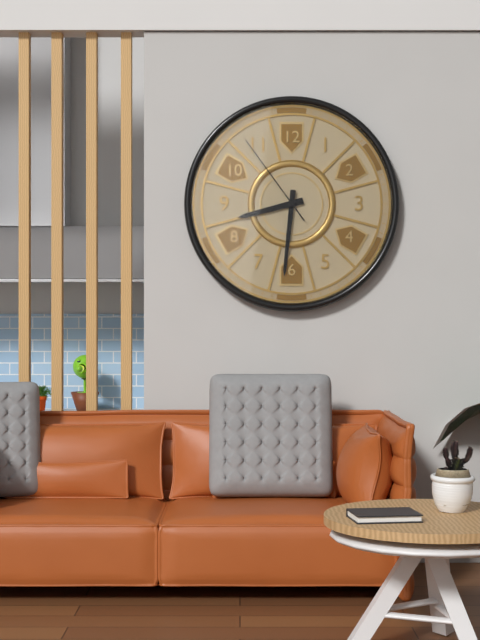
8:31:54
